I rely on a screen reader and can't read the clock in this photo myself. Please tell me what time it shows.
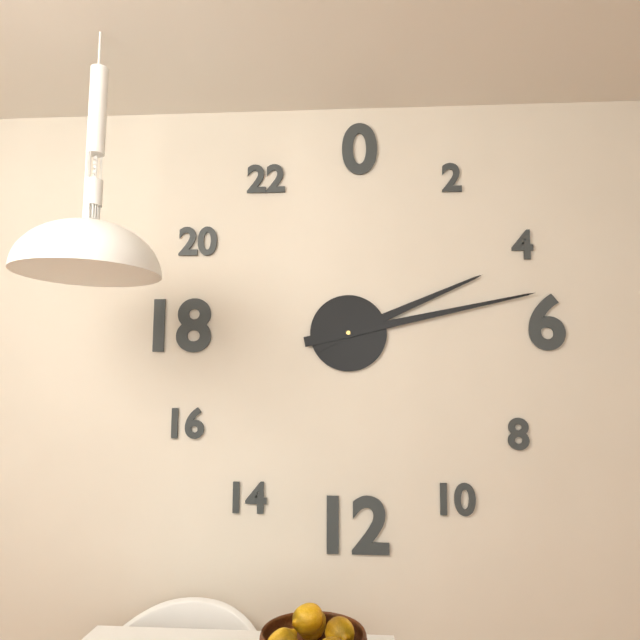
2:13
